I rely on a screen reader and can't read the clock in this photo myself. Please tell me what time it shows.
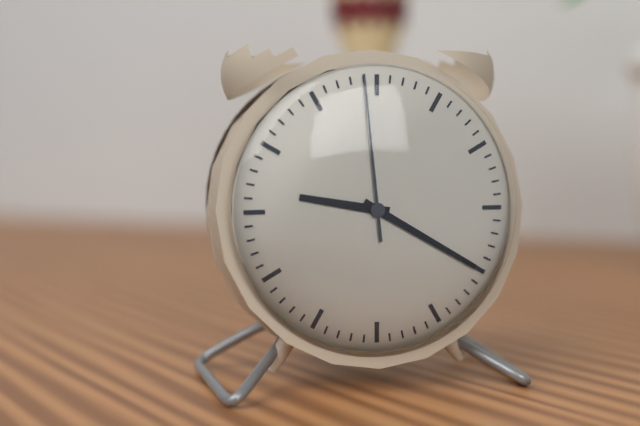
9:20:59
